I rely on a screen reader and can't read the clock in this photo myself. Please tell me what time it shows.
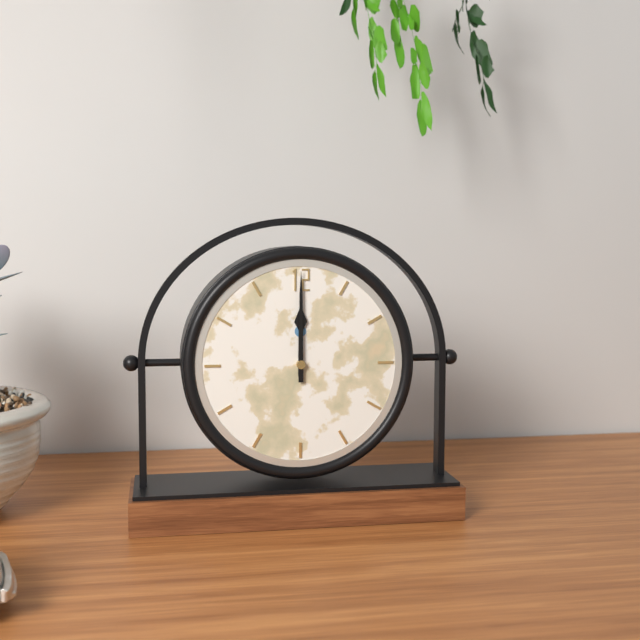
12:00
